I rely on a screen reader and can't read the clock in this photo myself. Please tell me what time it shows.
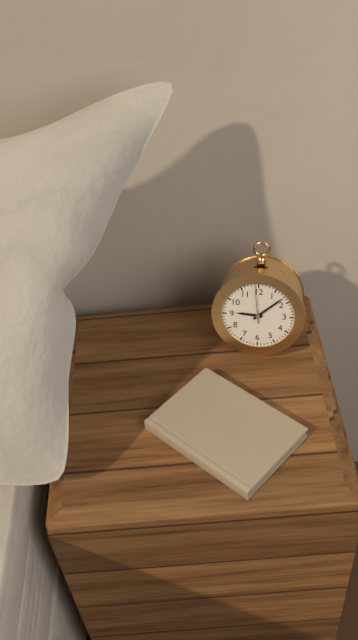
9:08
